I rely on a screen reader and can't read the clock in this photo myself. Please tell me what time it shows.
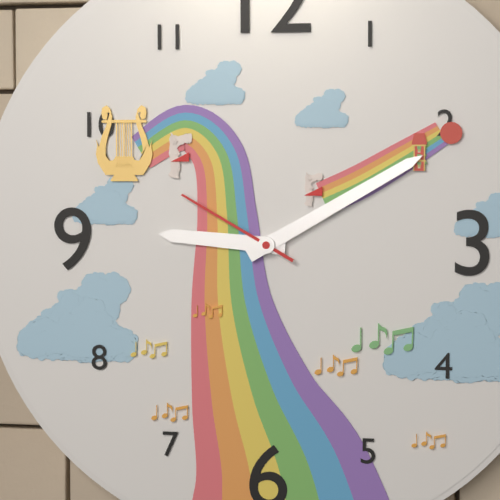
9:10:50
